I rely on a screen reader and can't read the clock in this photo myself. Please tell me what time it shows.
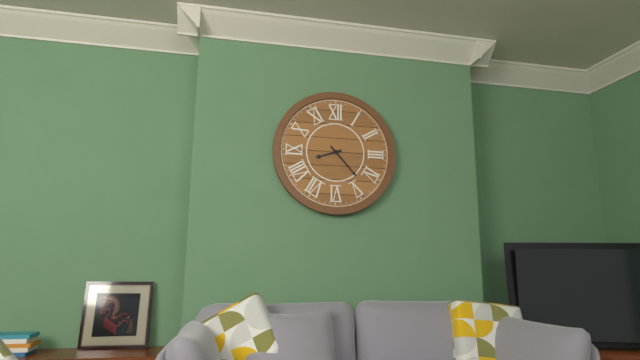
8:23
